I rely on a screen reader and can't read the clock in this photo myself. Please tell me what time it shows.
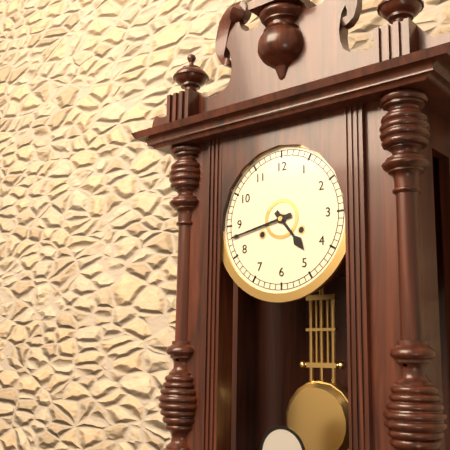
4:43
